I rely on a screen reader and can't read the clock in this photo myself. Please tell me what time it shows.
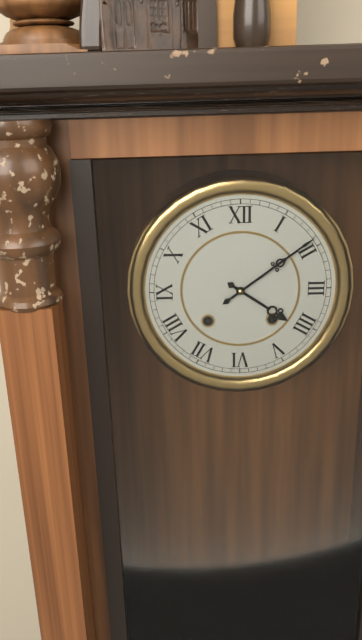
4:09
